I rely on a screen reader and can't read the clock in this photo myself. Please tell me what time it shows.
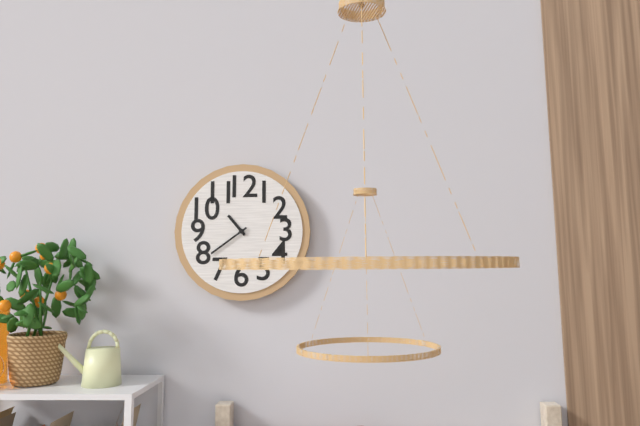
10:39
